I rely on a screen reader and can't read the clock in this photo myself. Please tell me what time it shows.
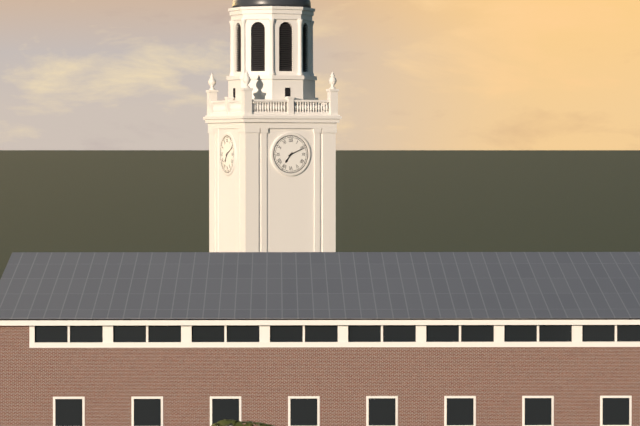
7:11
